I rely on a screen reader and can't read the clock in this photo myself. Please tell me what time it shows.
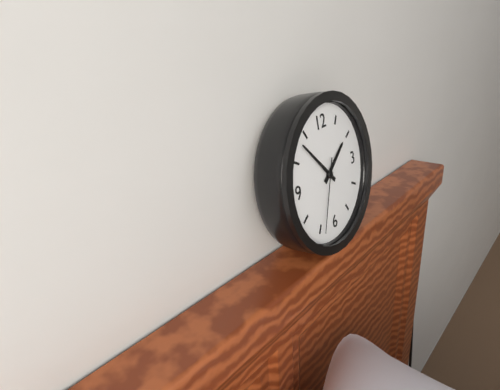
1:53:34
